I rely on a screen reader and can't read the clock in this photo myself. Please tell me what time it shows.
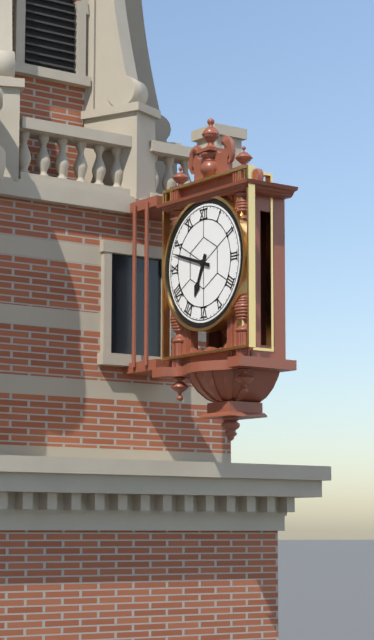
6:48
